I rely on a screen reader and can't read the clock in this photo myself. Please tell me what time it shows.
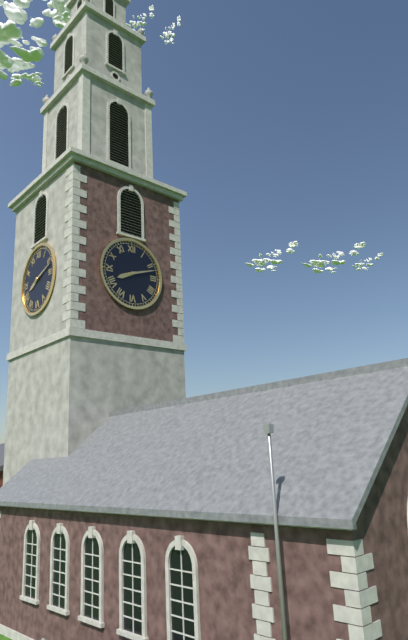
8:12
